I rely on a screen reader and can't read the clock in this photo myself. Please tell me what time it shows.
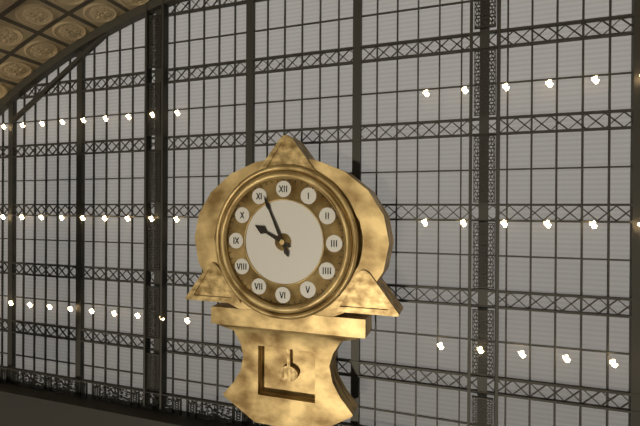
9:56
